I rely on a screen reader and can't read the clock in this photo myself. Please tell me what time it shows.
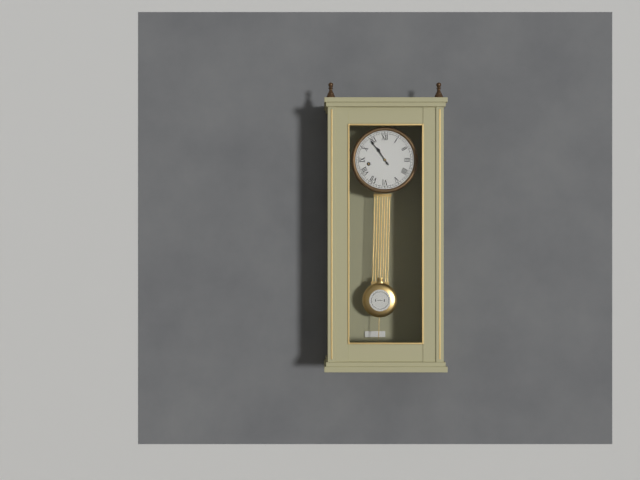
10:54
